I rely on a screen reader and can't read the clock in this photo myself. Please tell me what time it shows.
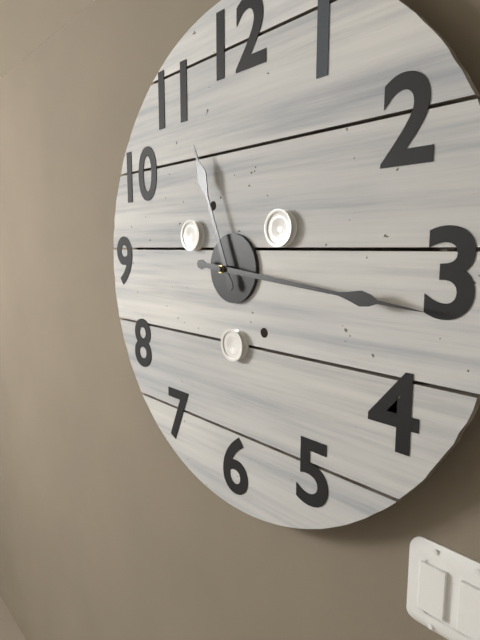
11:16
